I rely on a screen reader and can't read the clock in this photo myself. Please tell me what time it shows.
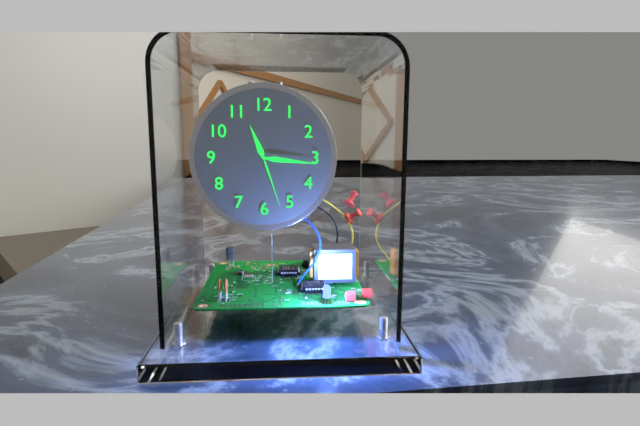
11:16:27
